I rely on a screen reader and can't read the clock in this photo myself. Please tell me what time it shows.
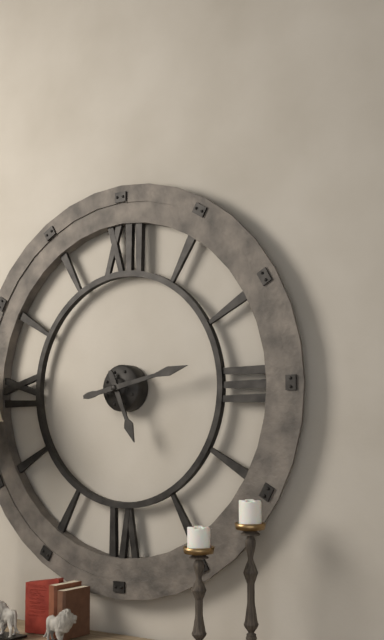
5:13
